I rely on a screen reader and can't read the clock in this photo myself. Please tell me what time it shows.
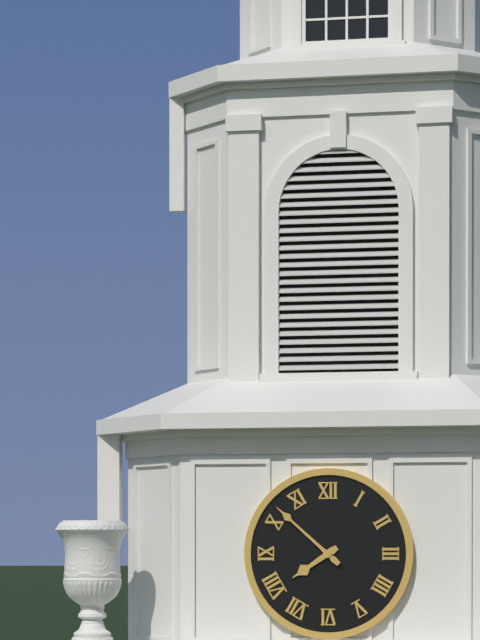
7:52
